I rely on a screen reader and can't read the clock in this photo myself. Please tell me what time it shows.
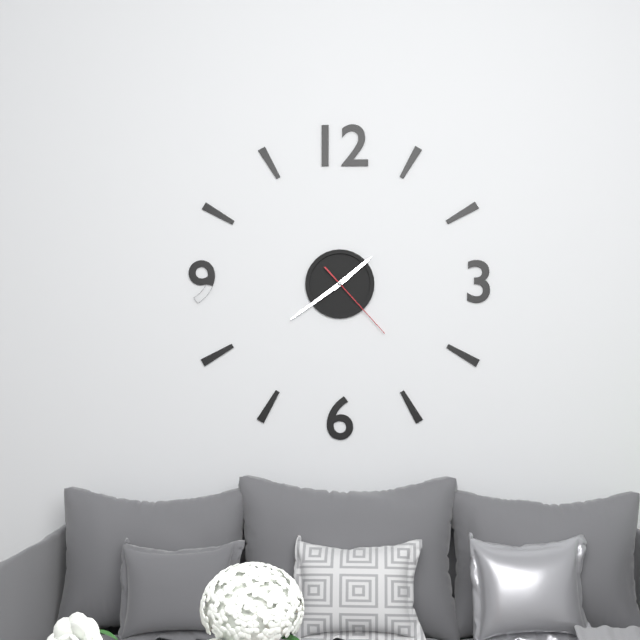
1:39:23
